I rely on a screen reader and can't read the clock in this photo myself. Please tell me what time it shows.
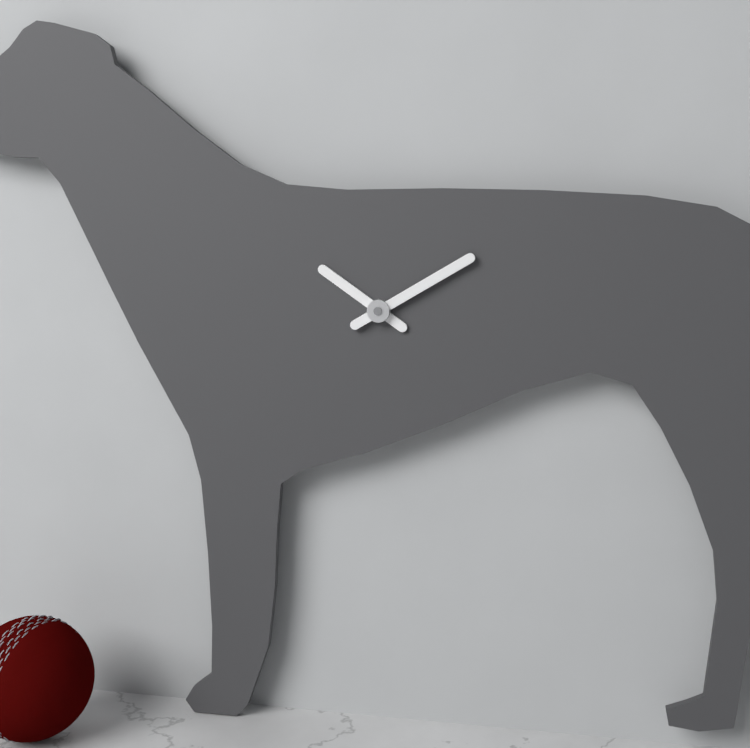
10:10
